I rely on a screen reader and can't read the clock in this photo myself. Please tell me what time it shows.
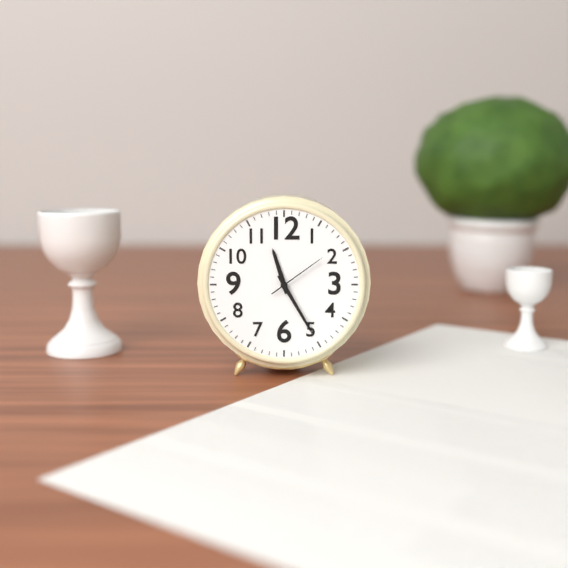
11:25:09
